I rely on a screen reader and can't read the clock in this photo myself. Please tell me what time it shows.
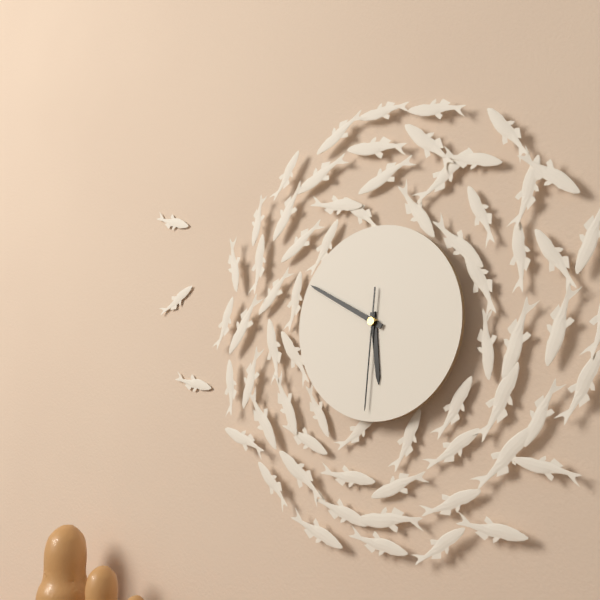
5:50:31
